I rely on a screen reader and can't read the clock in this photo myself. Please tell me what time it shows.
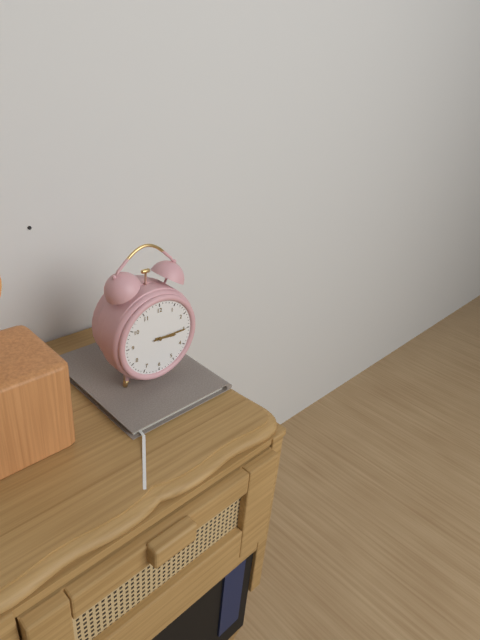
3:15
